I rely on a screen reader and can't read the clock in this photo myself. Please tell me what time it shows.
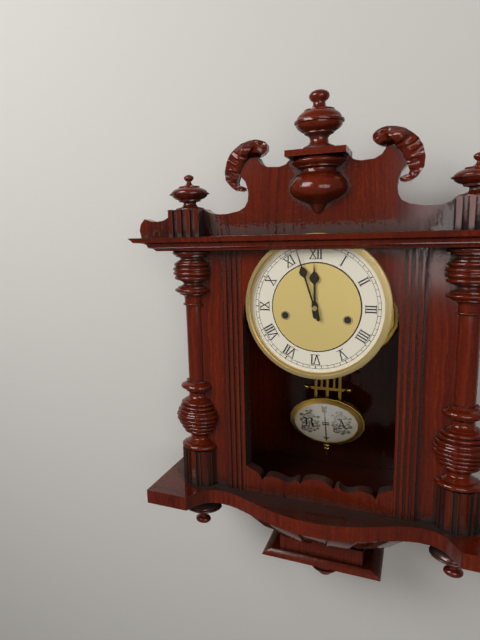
11:57
